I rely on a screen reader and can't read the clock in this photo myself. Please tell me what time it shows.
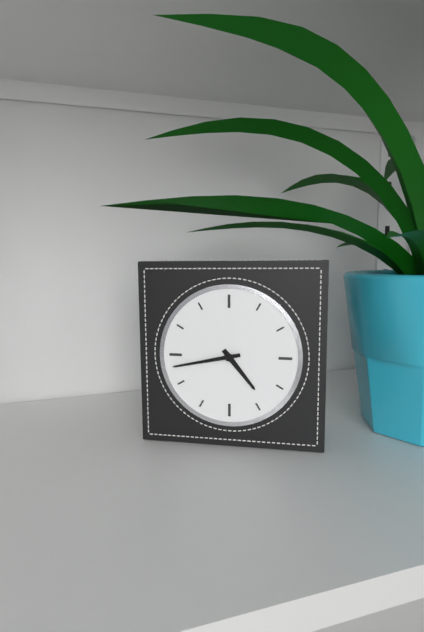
4:43
